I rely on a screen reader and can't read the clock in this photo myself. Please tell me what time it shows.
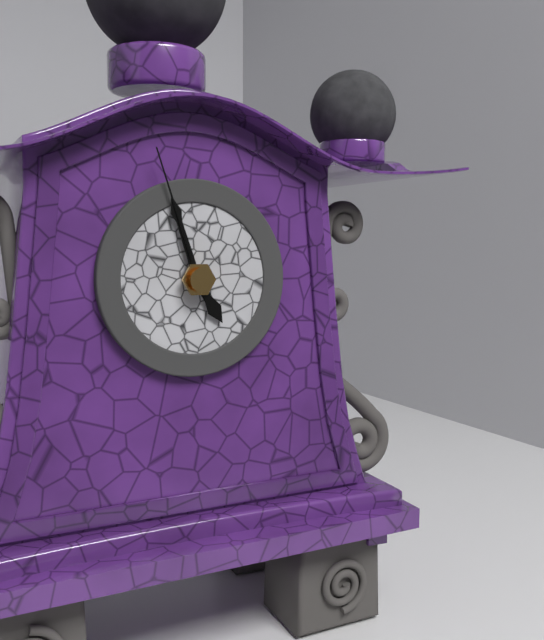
4:57:57
